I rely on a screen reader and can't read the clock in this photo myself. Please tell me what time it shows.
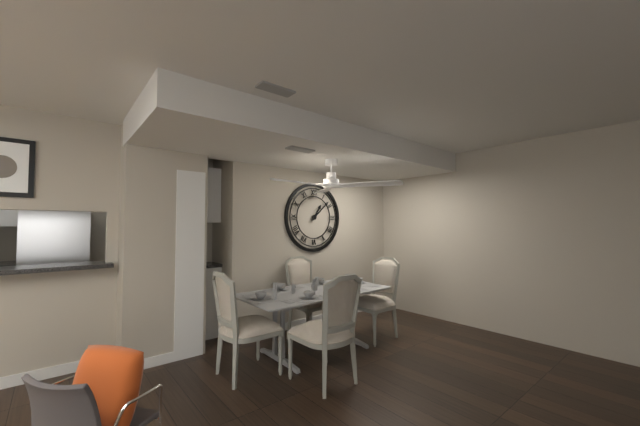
1:08
